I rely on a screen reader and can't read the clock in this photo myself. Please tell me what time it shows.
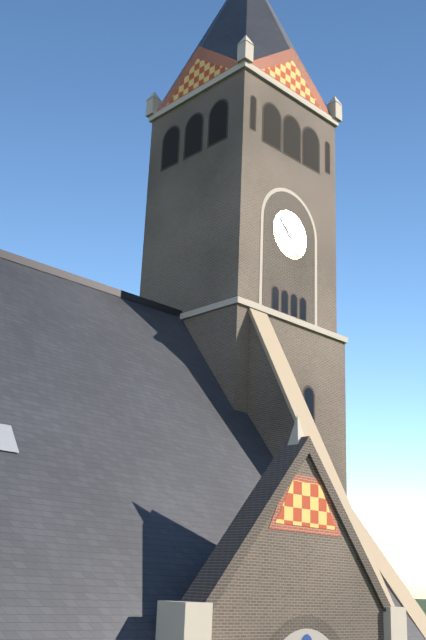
2:52
